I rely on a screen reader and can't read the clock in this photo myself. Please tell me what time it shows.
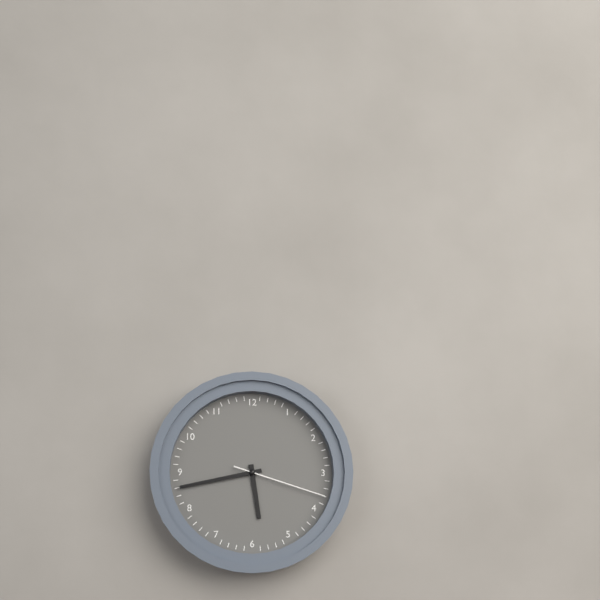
5:43:18
